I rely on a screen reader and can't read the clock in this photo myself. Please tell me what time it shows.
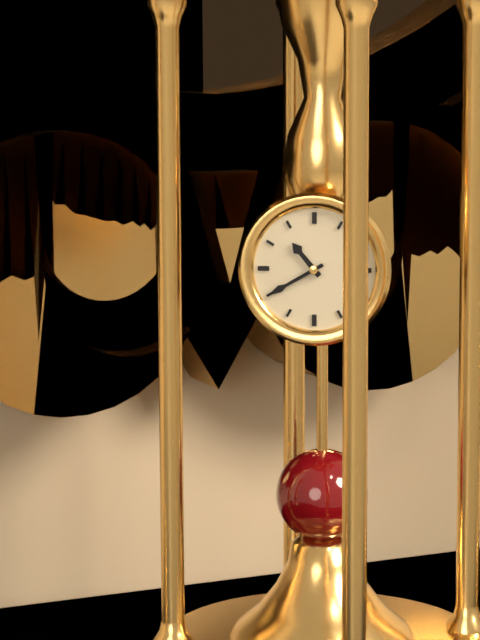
10:40
